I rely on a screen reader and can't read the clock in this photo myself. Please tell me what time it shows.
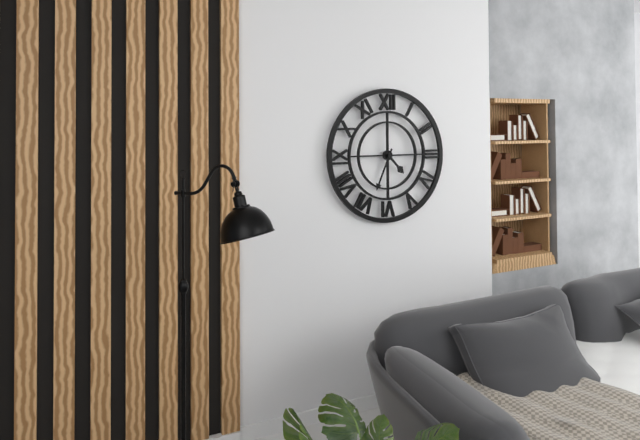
4:34
